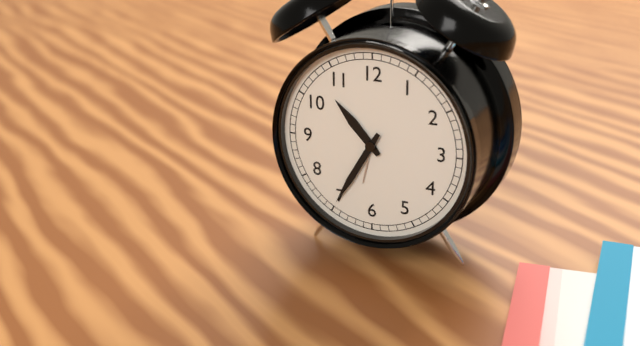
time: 10:35
